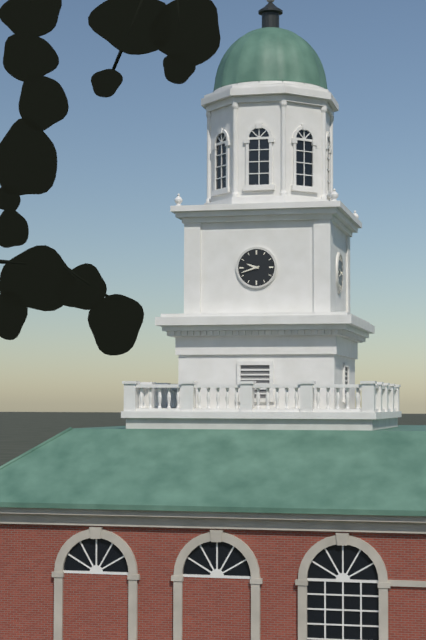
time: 9:42
